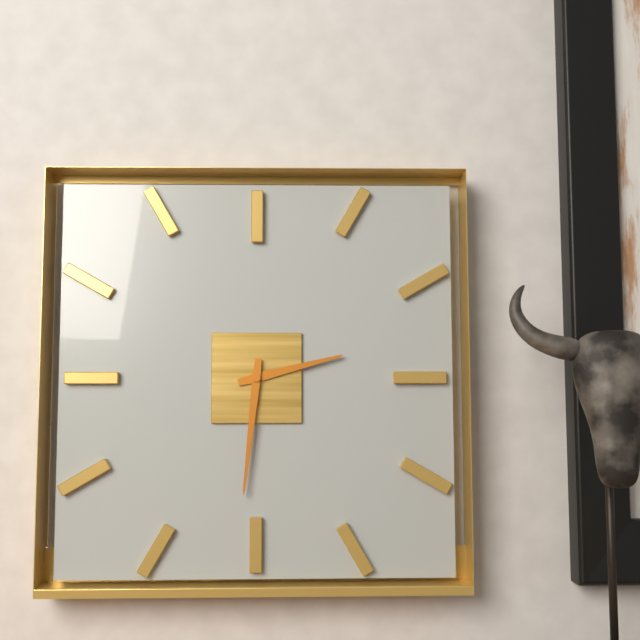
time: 2:31
